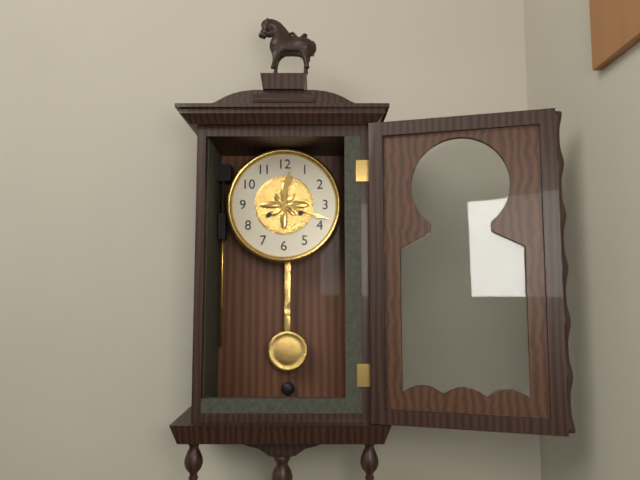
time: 12:18
